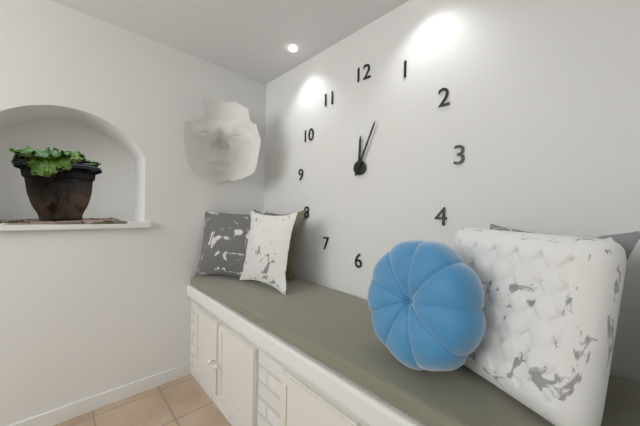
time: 12:04
